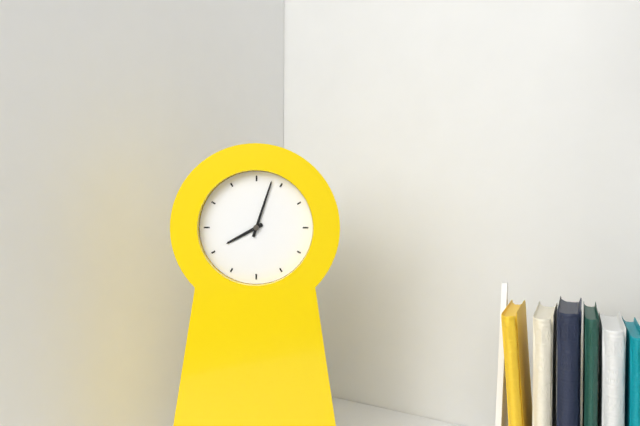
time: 8:03
